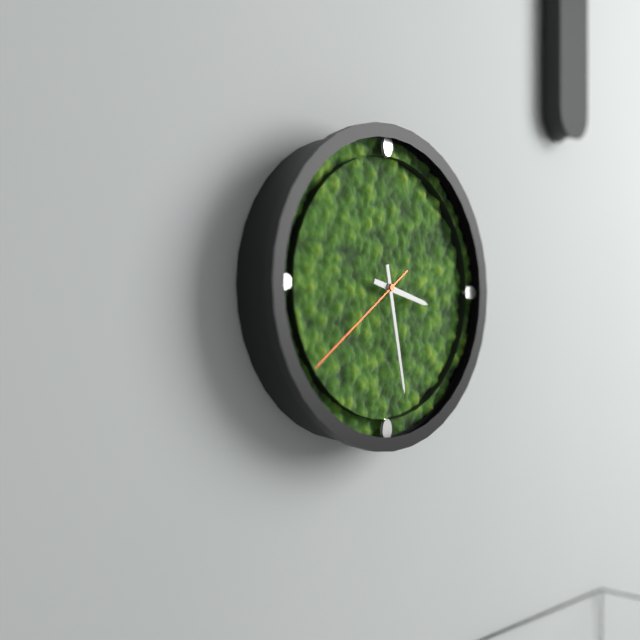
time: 3:28:39
